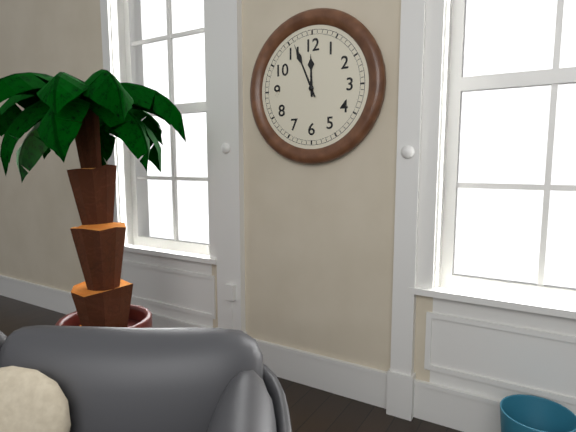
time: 11:56
